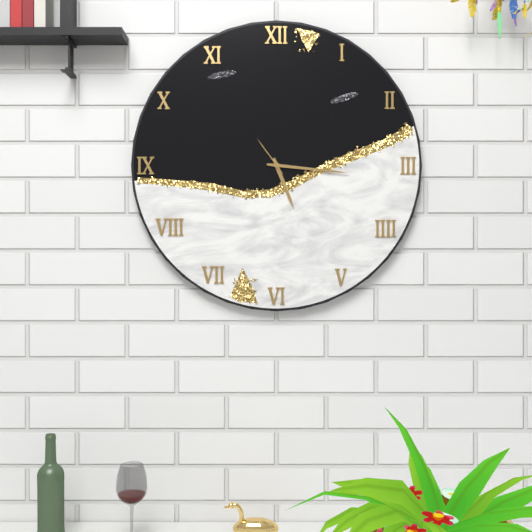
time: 5:16
